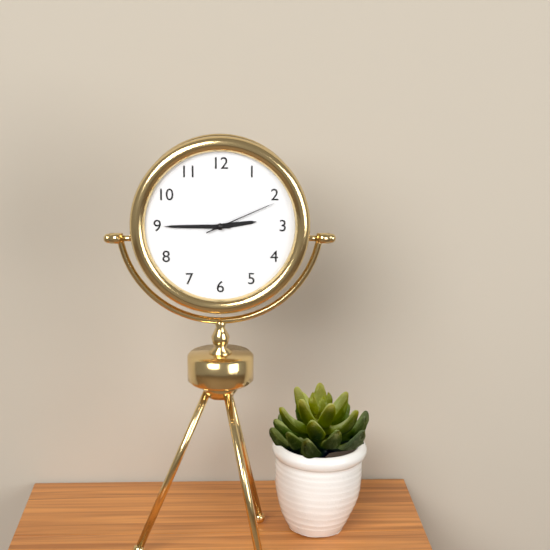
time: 2:45:11
